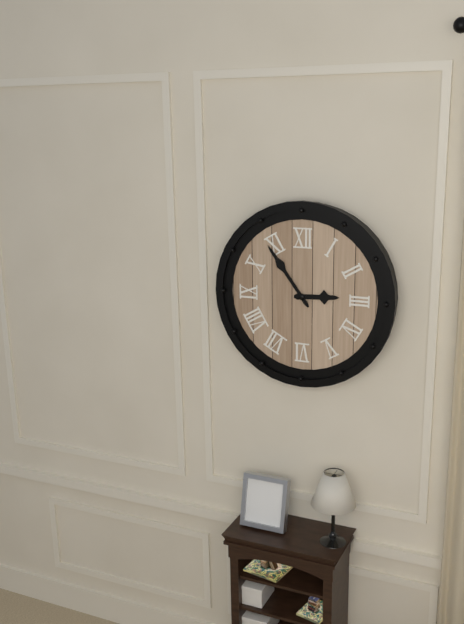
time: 2:54
